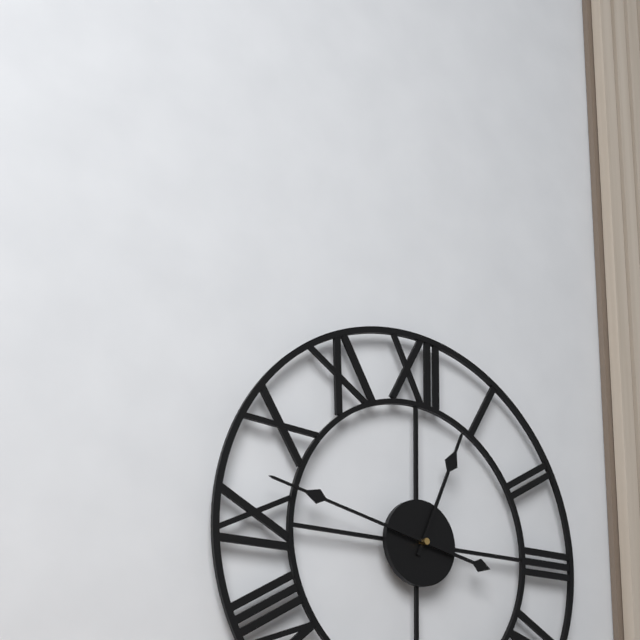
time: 12:47
